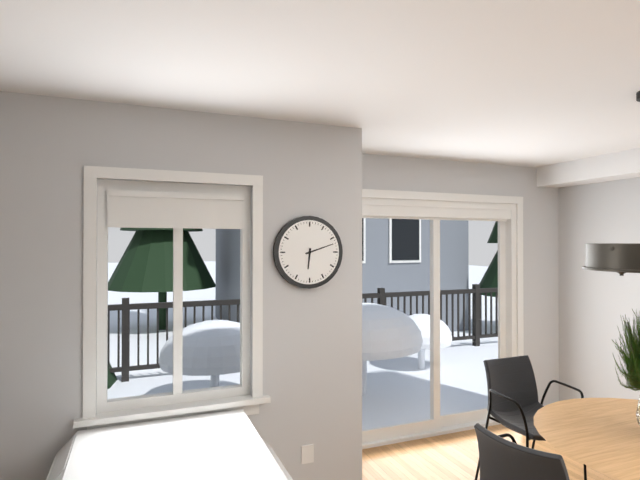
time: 6:12
